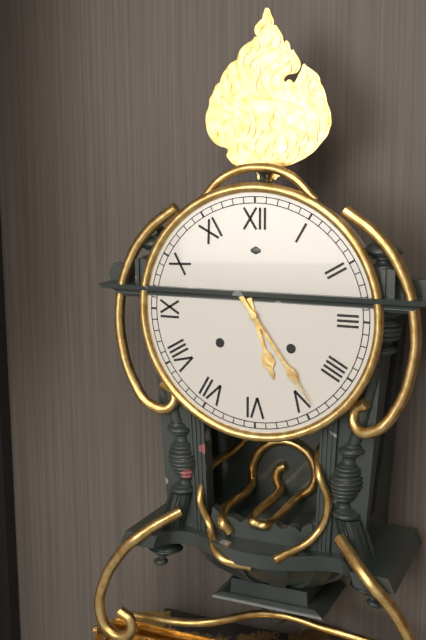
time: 5:24
